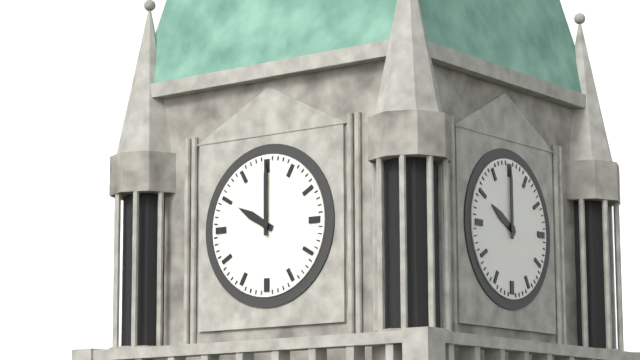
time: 10:00
